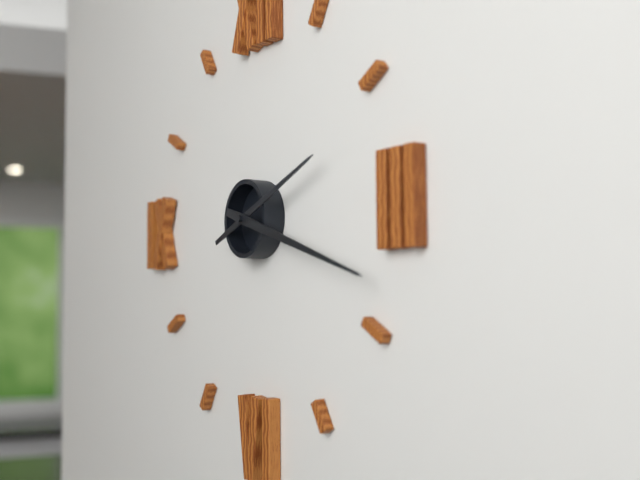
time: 2:18
